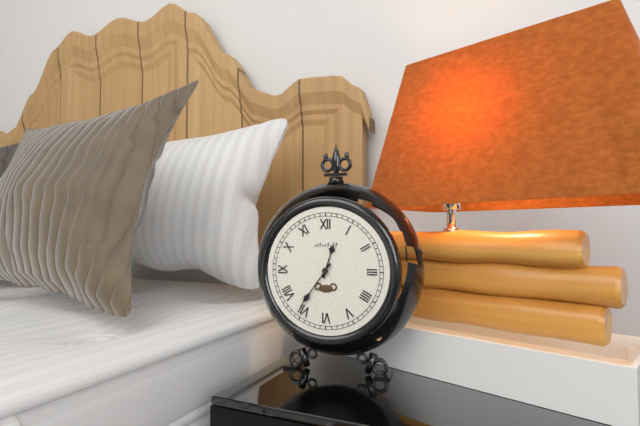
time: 12:36
